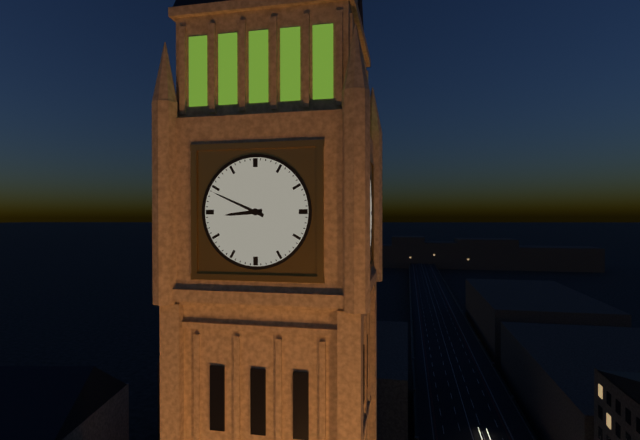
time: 8:49
